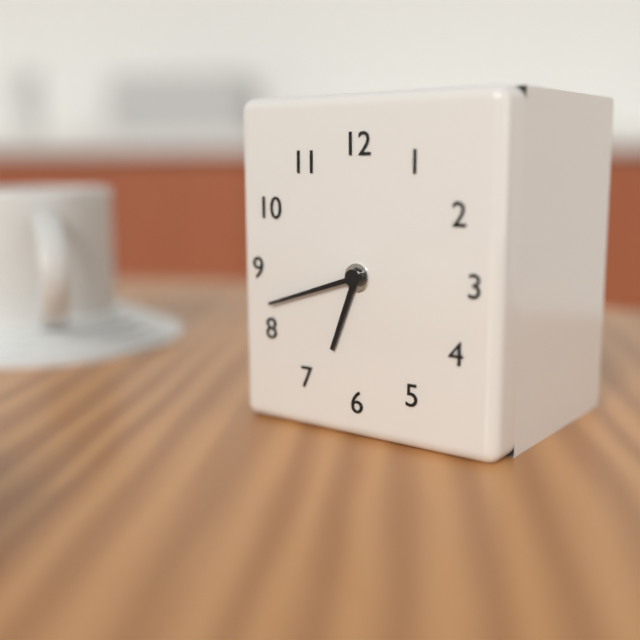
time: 6:42
